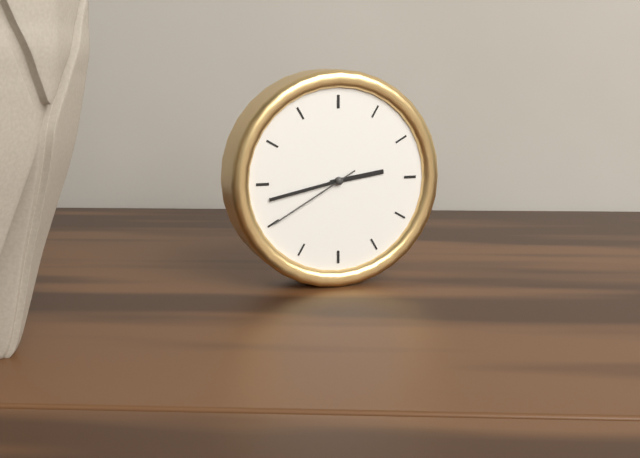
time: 2:43:40
